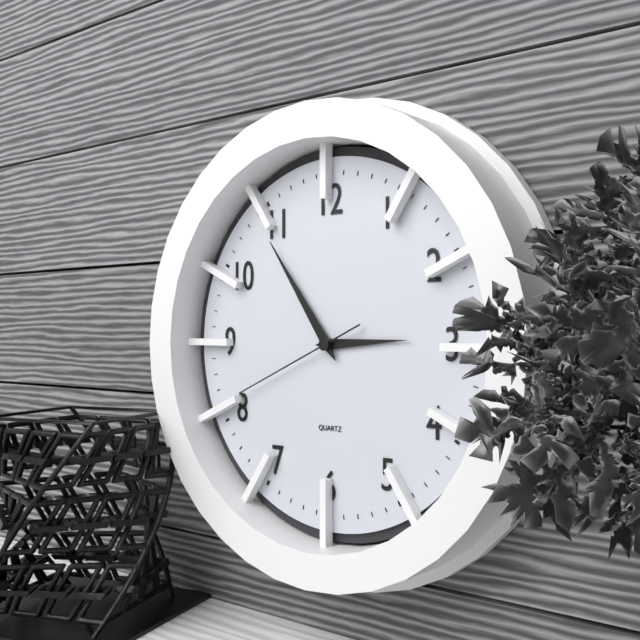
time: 2:54:41
